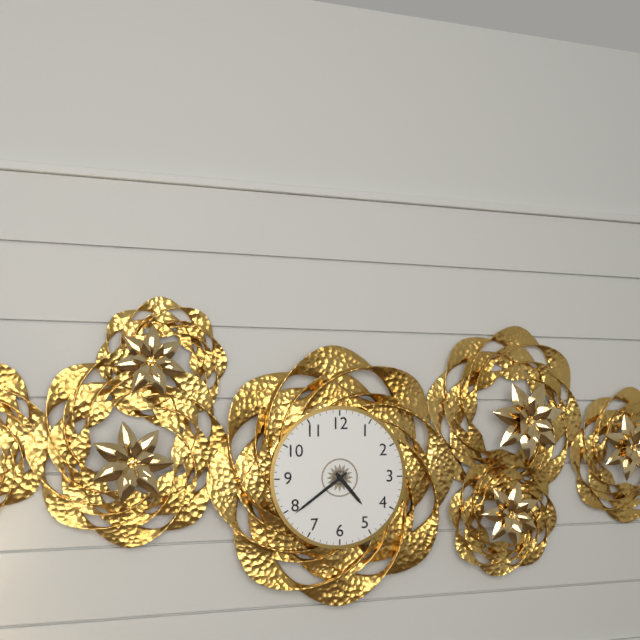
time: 4:39
